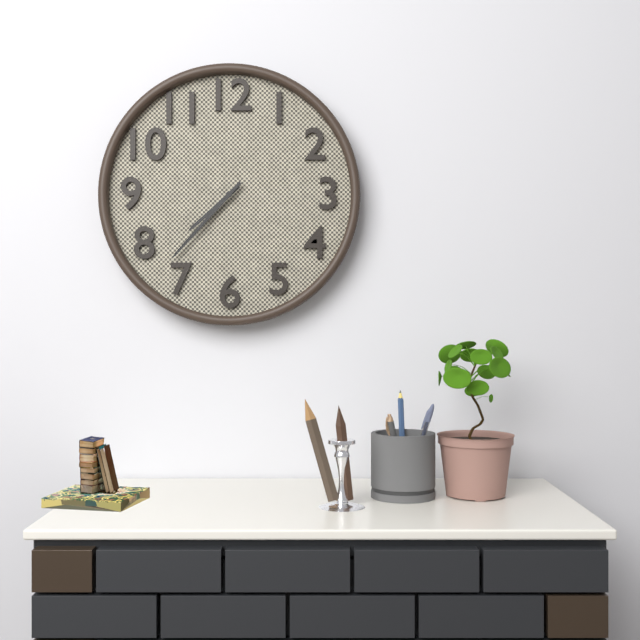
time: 7:37
